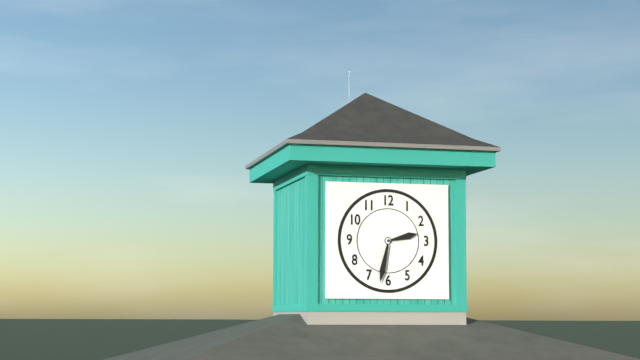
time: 2:32
